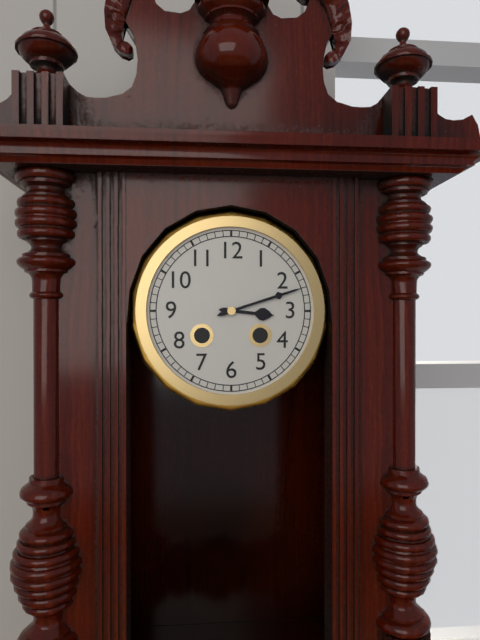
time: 3:12
